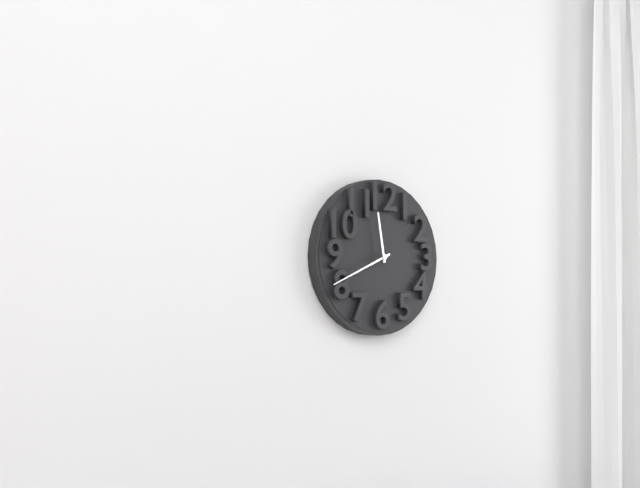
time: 11:41
